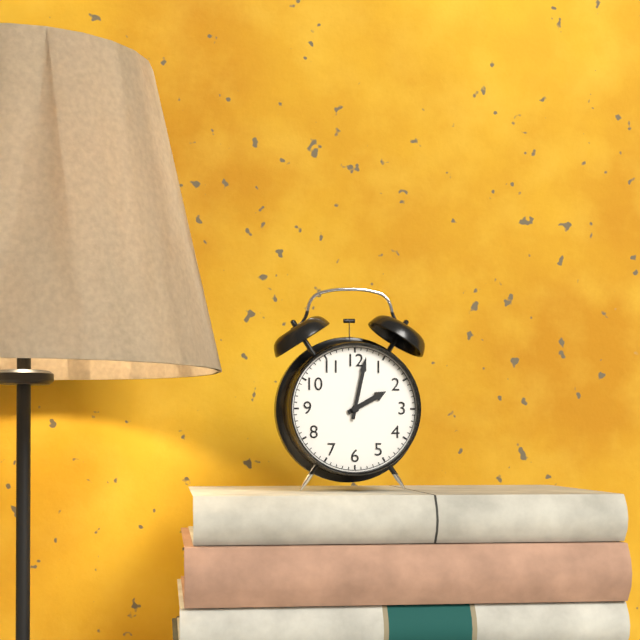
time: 2:02
